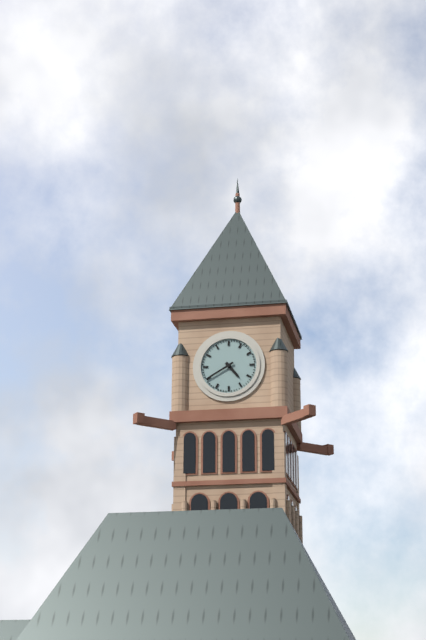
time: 4:40
